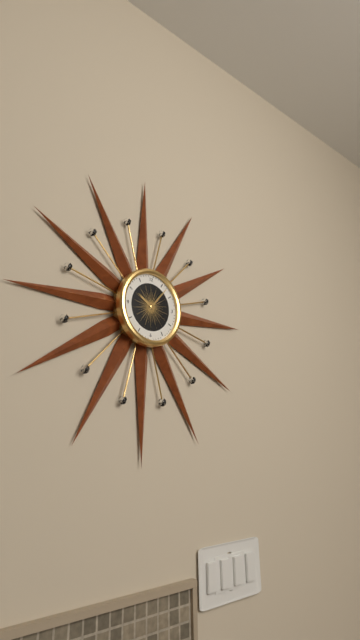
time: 10:07
